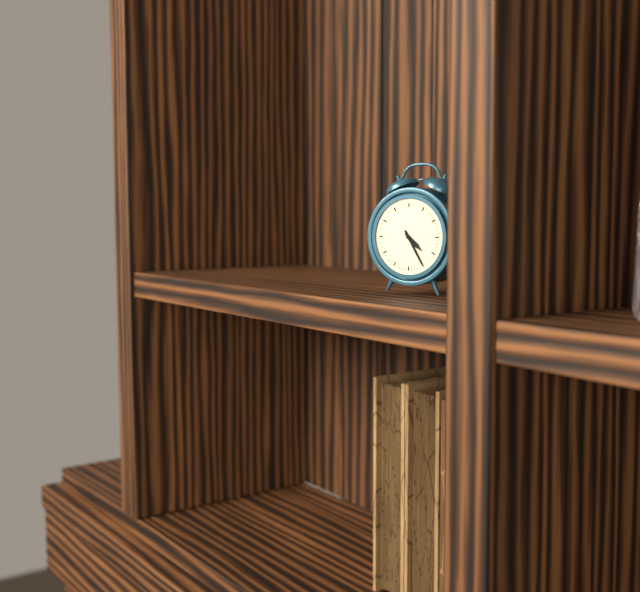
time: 4:25
